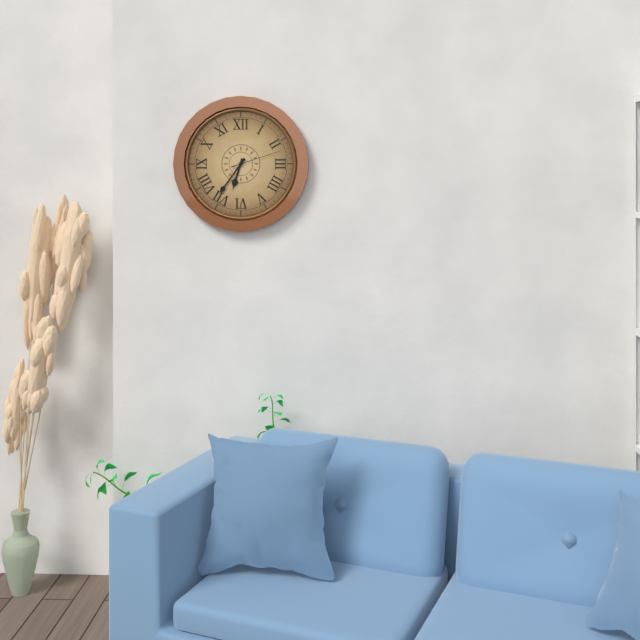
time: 6:36:12
